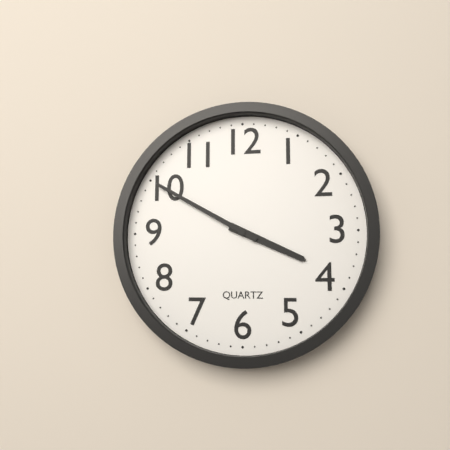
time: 3:50
